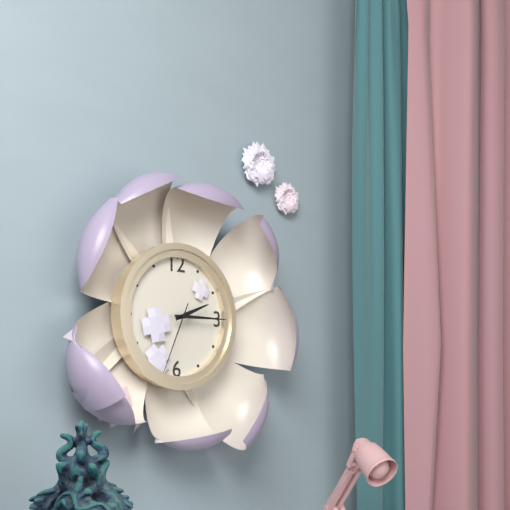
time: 2:15:34
